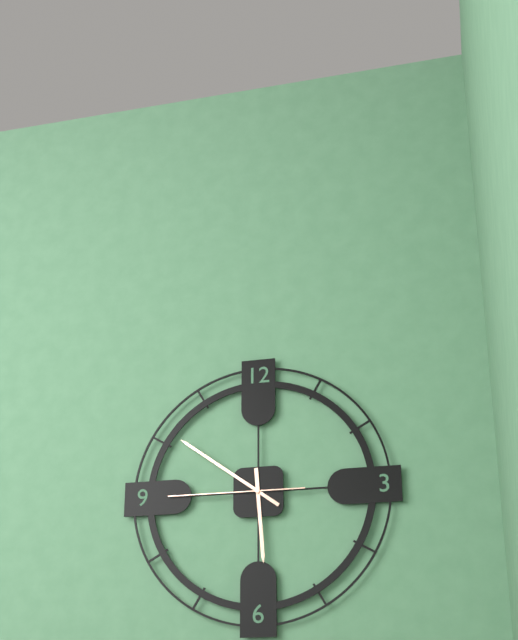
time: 5:51:45
